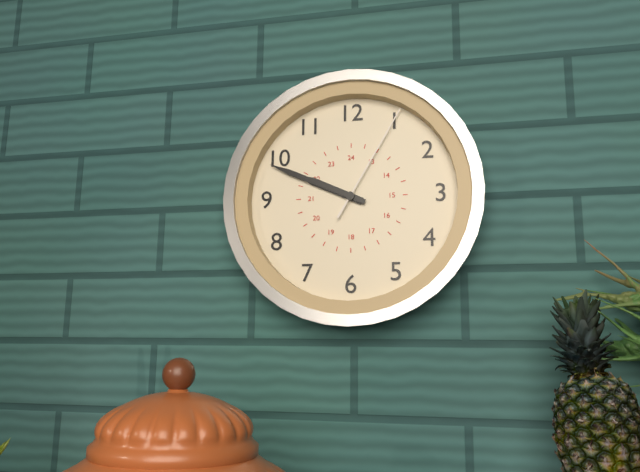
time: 9:49:05
